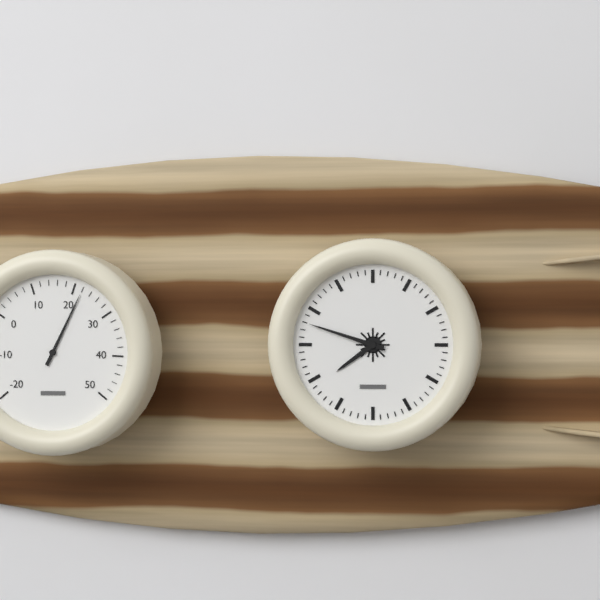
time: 7:48
